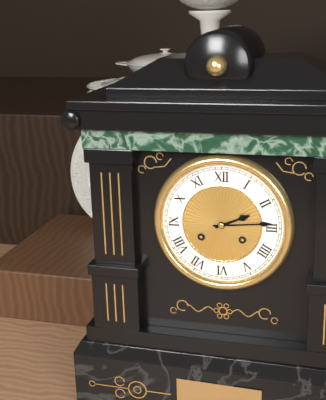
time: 2:14
